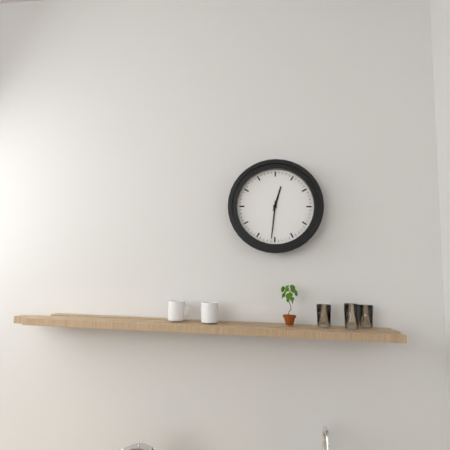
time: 12:31
